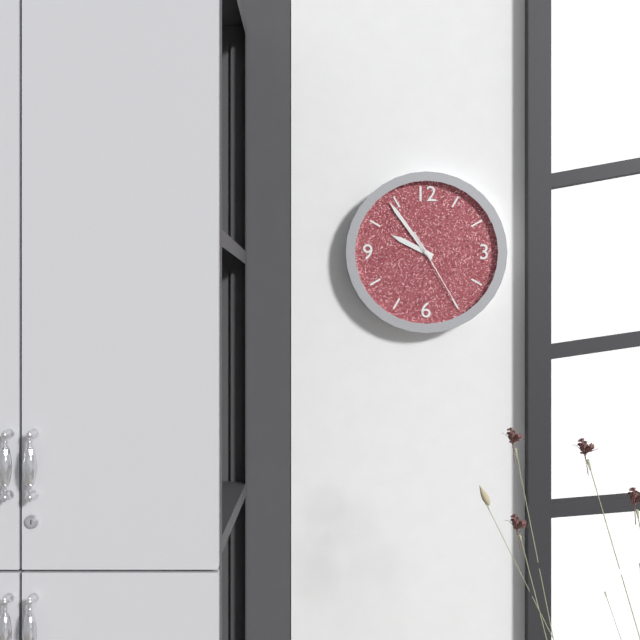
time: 9:54:25
